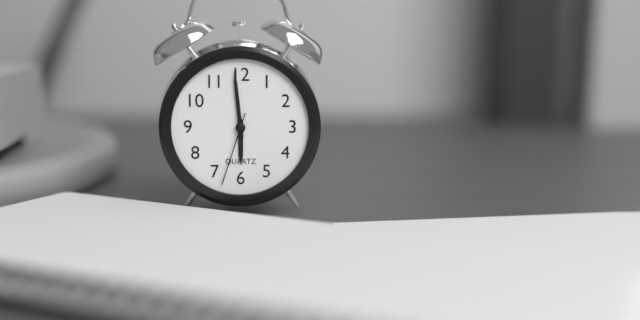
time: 5:59:33
